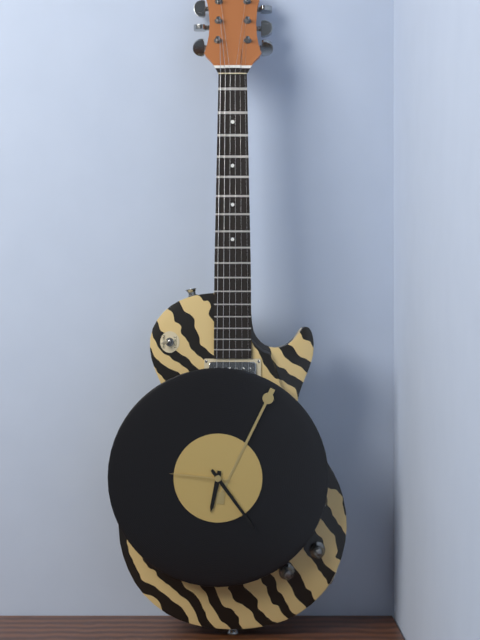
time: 6:24:46
